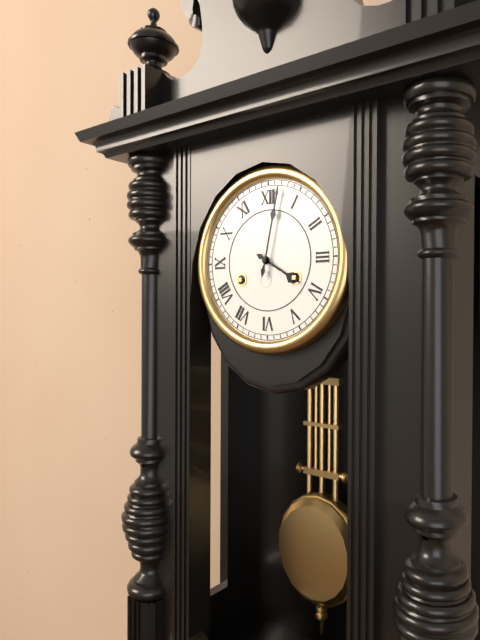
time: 4:02
